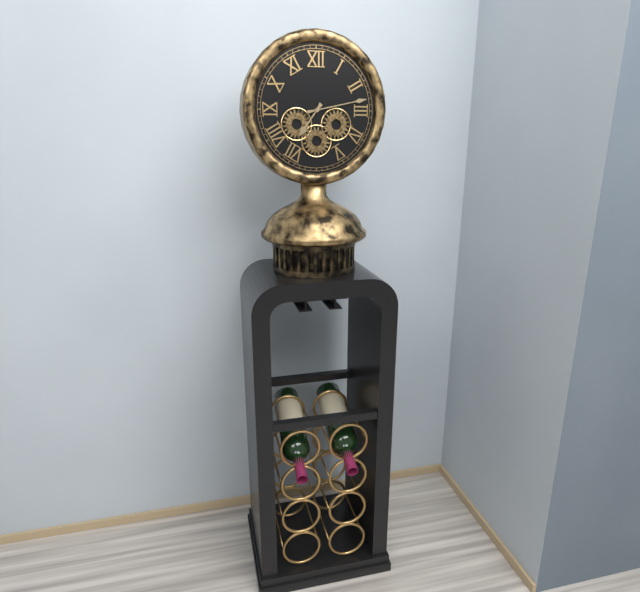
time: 7:13
